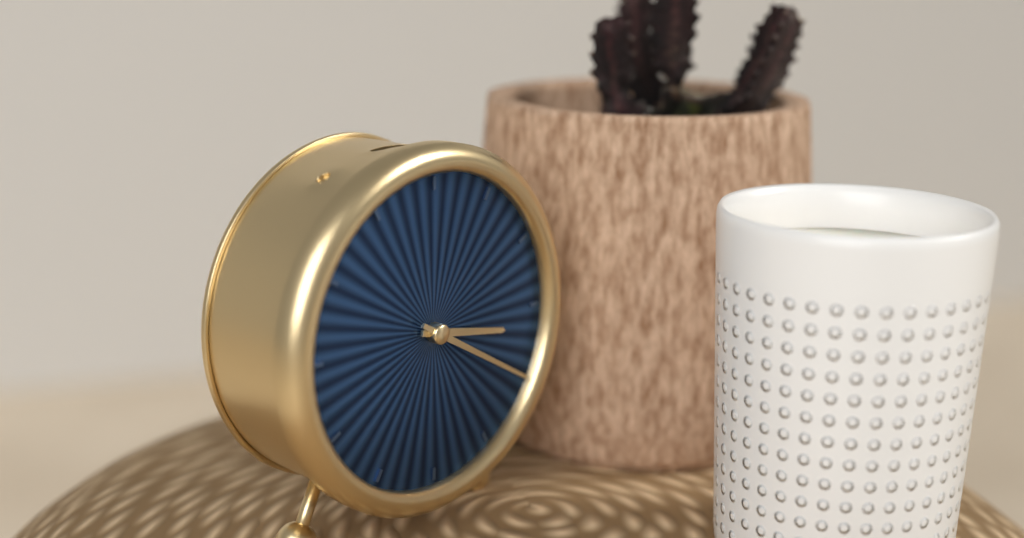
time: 3:20
